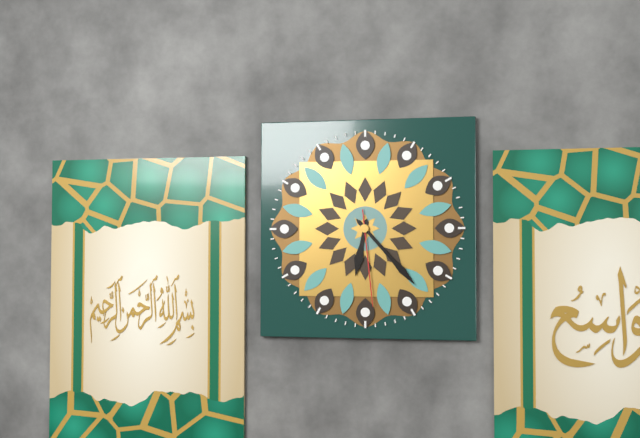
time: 6:23:29
